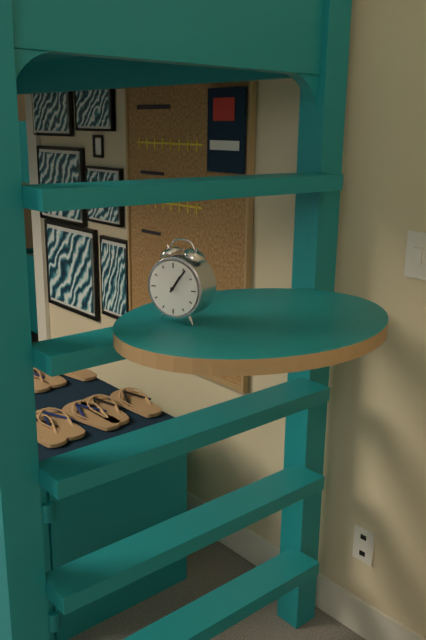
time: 1:06
